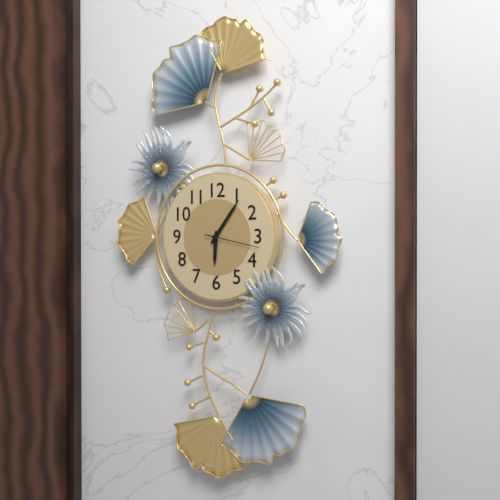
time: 6:06:17
